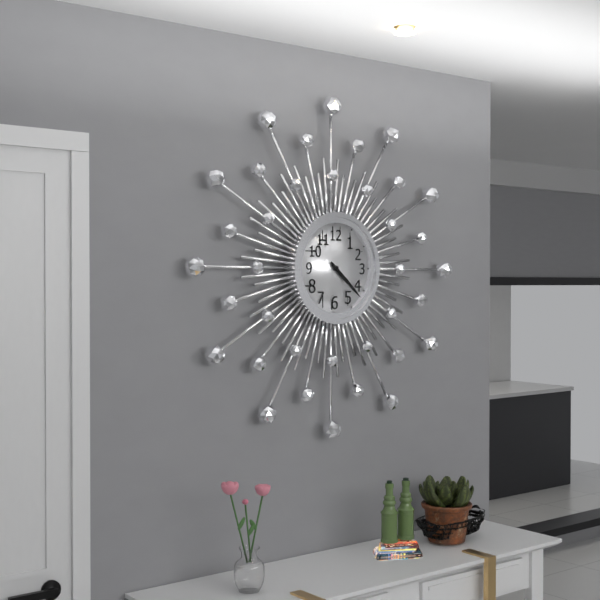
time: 4:22
